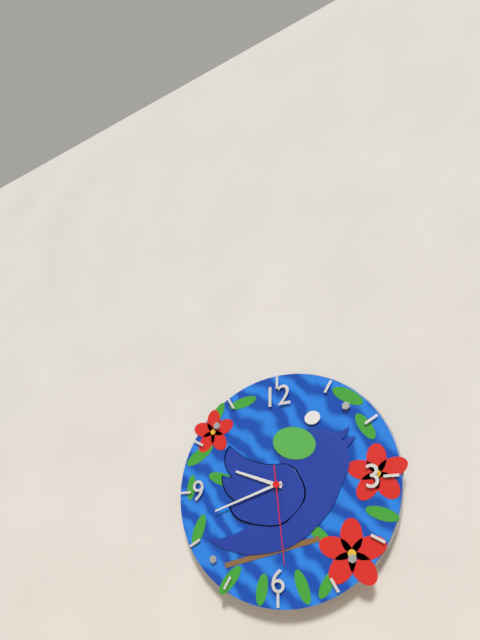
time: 9:42:29
